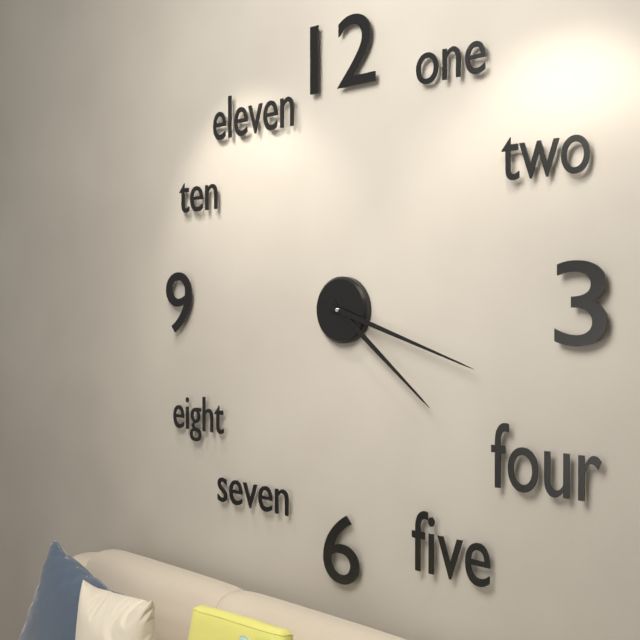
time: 4:18
